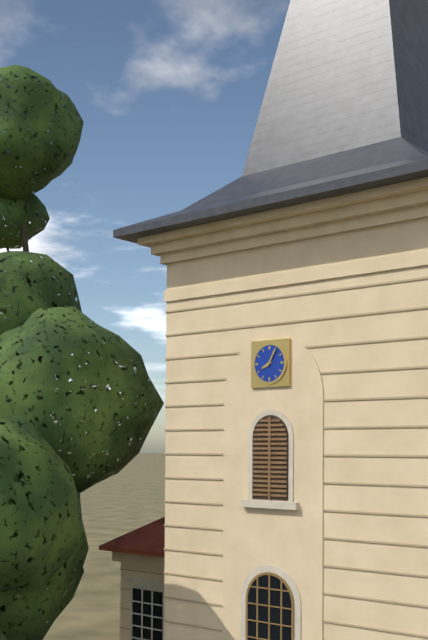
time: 8:05
